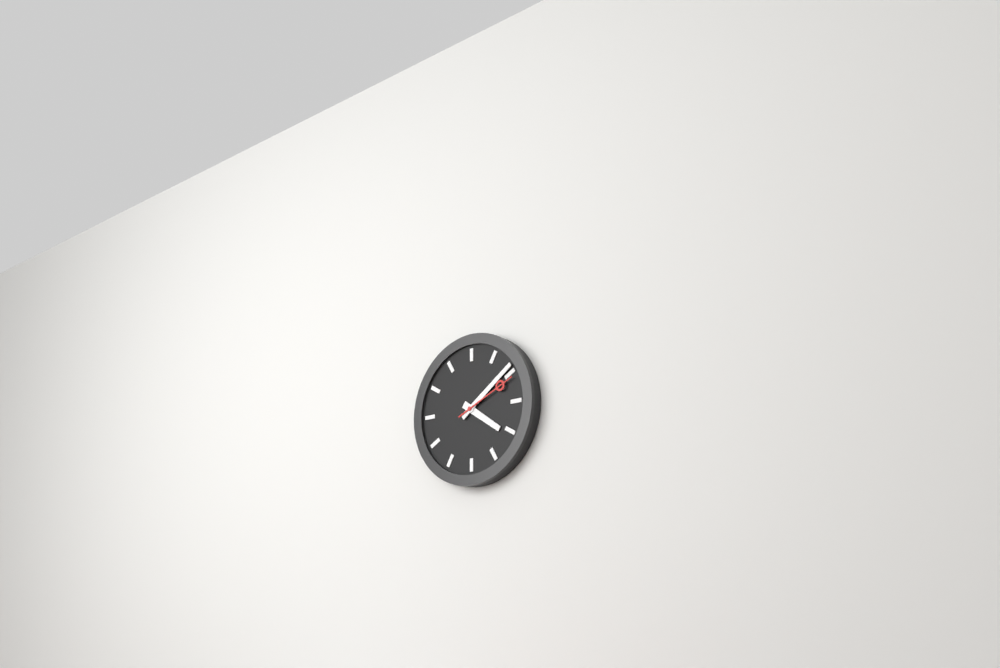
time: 4:09:11
